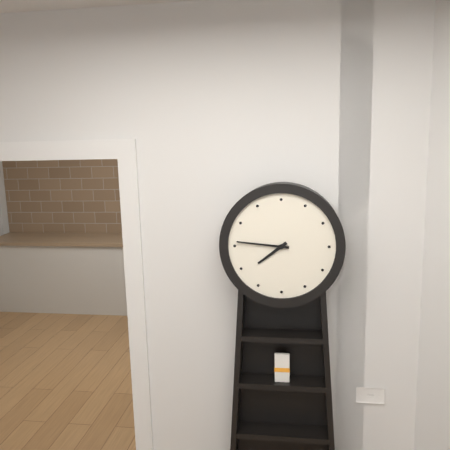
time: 7:46
